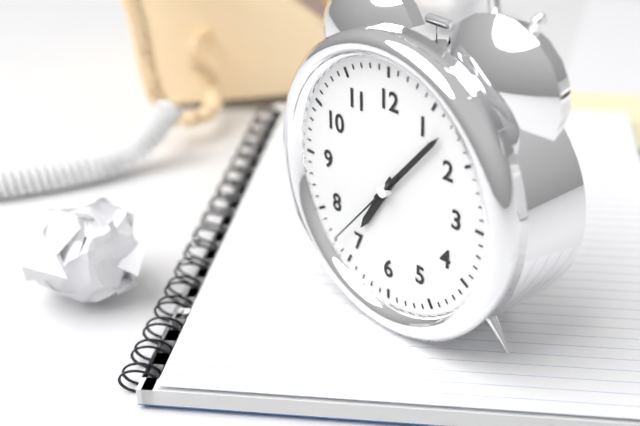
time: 7:07:37
